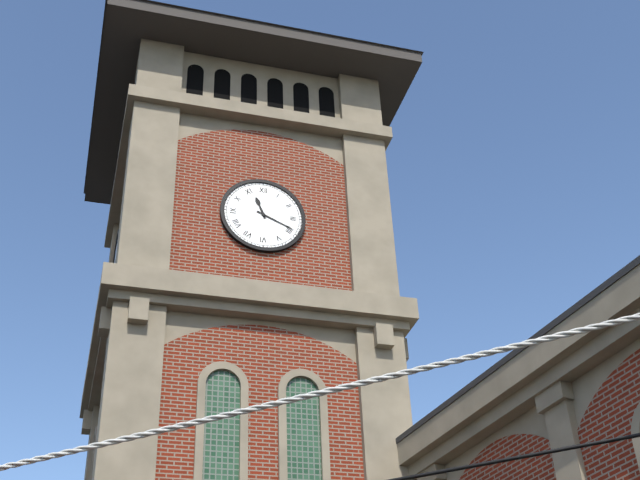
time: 11:19
